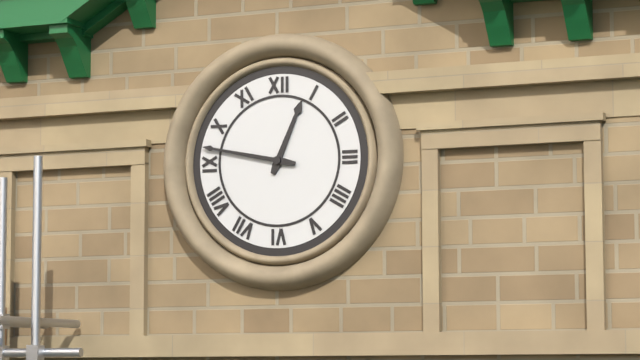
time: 12:47
